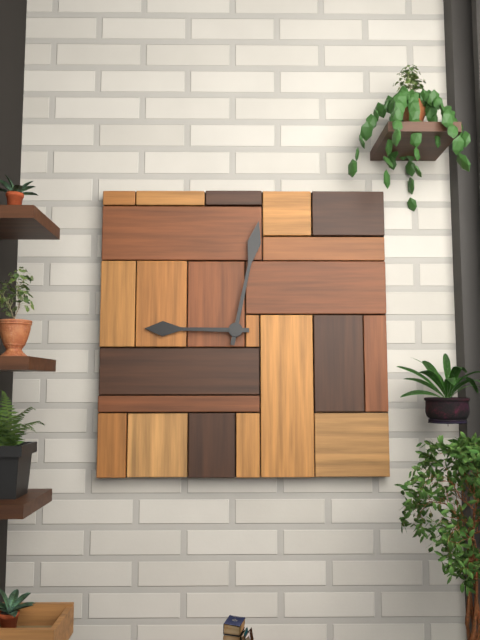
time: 9:02
